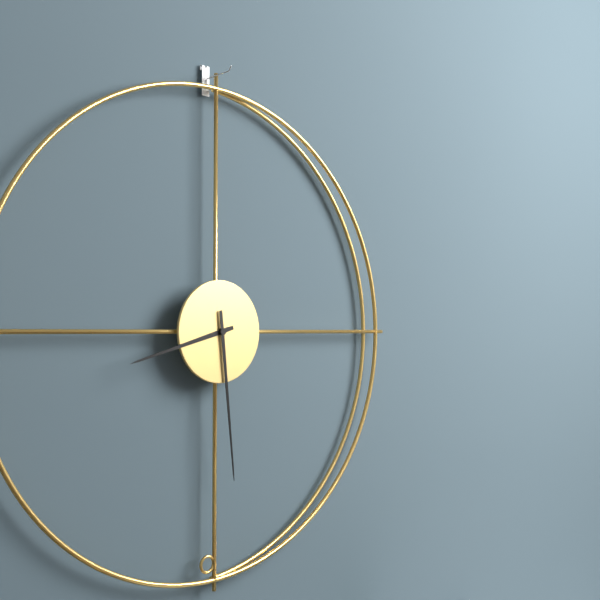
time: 8:29
